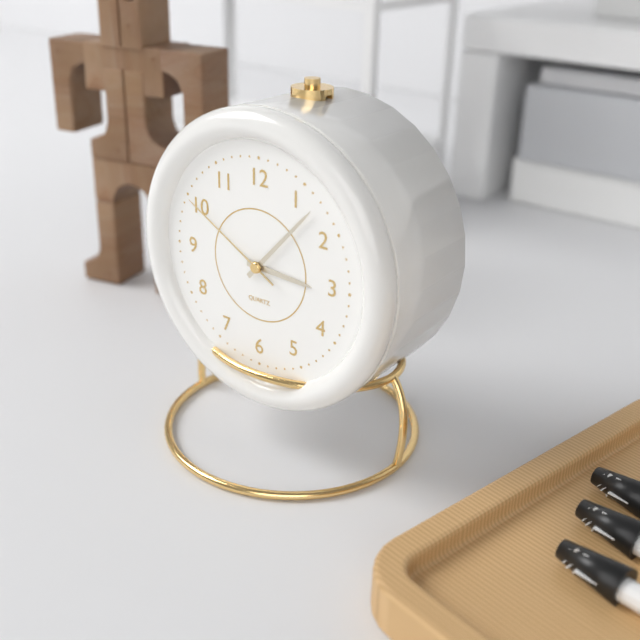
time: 3:07:50
